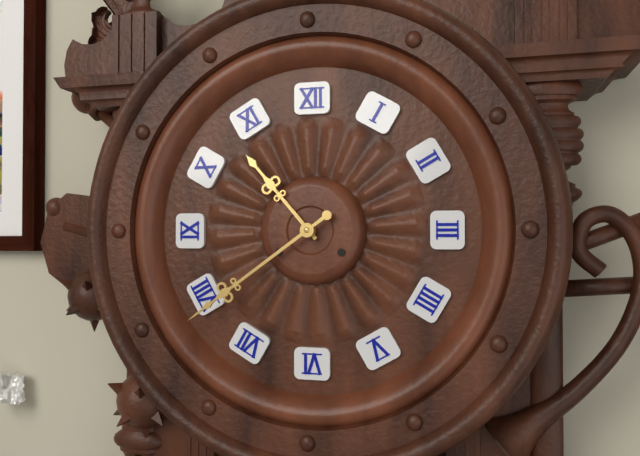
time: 10:39
